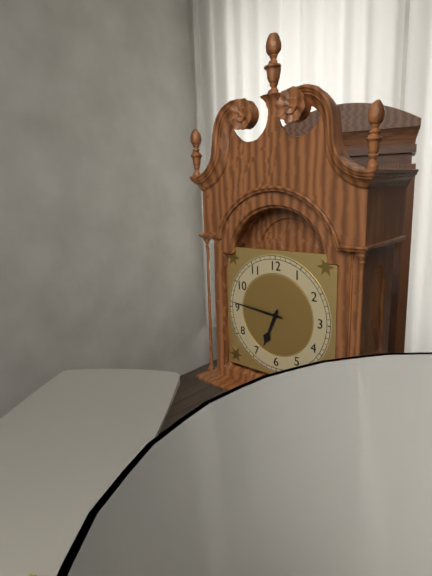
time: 6:46
